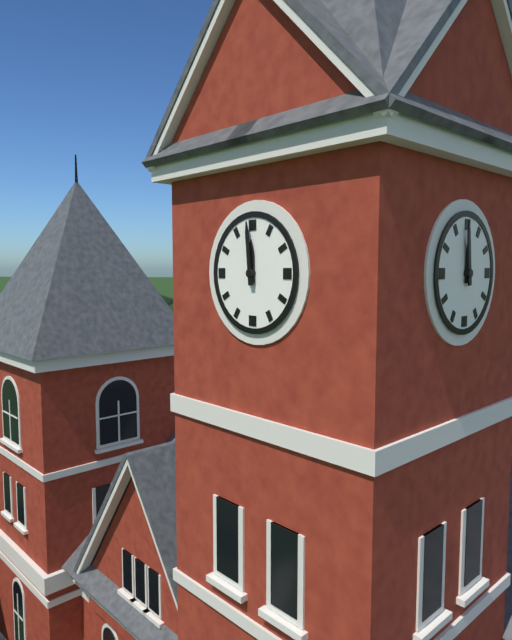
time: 11:59
